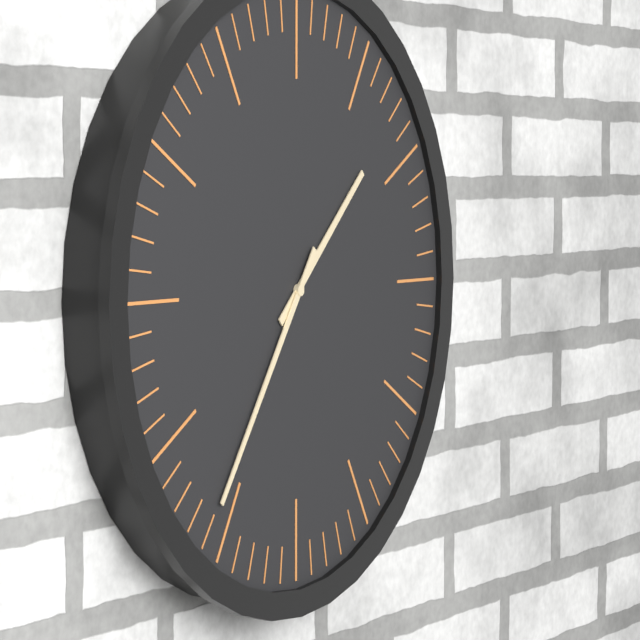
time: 1:36
